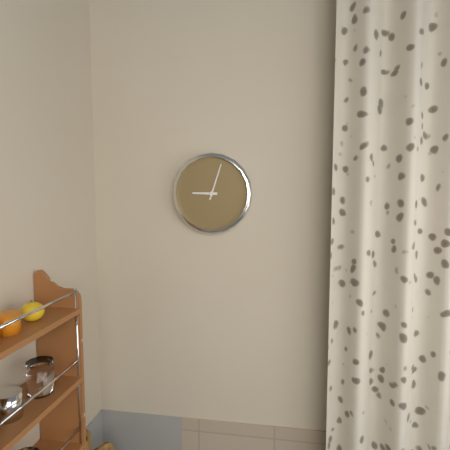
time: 9:03
